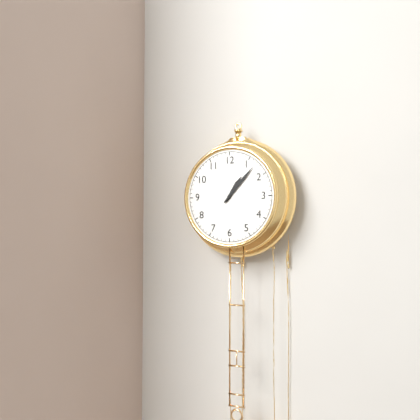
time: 1:07
